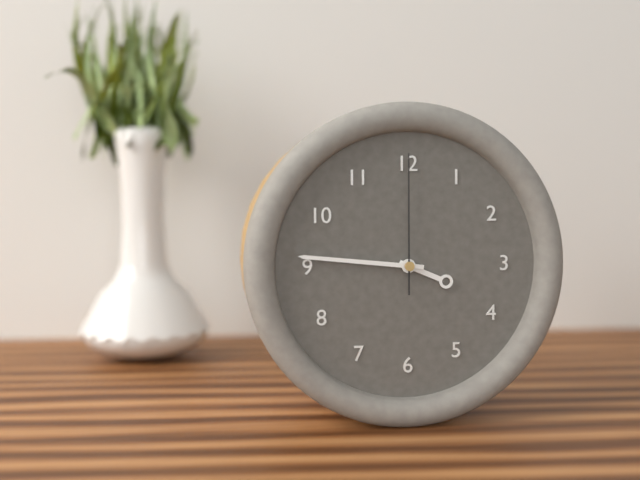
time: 3:46:00
